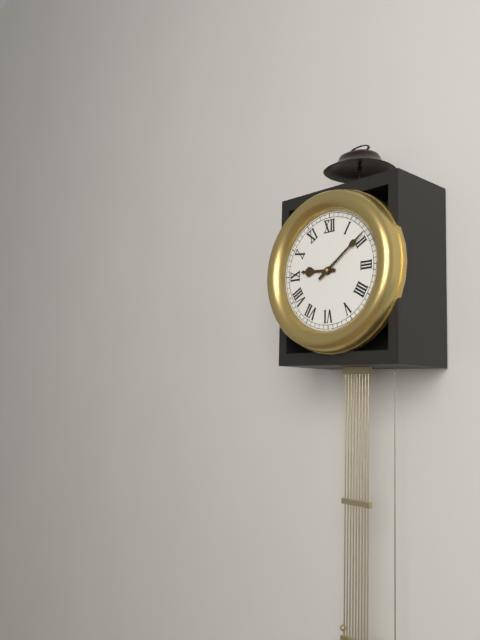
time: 9:09
